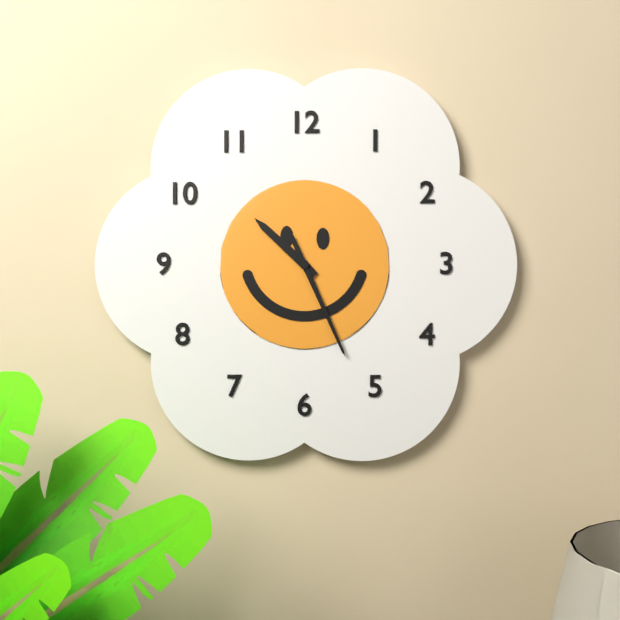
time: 10:26
